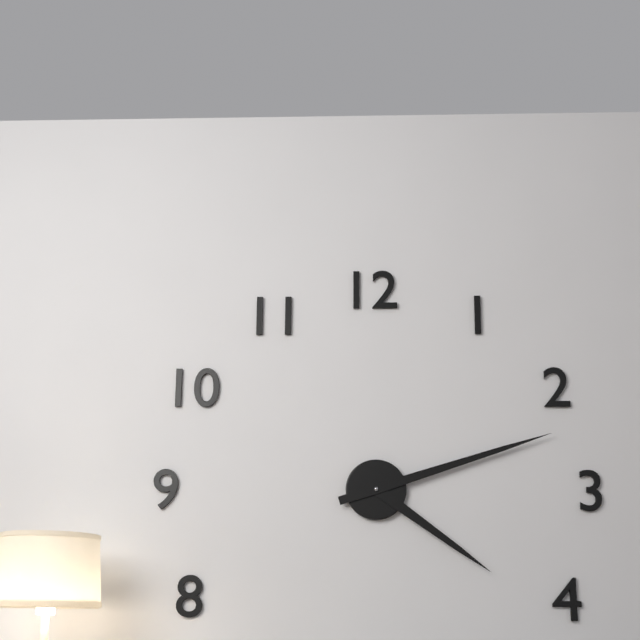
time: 4:12
